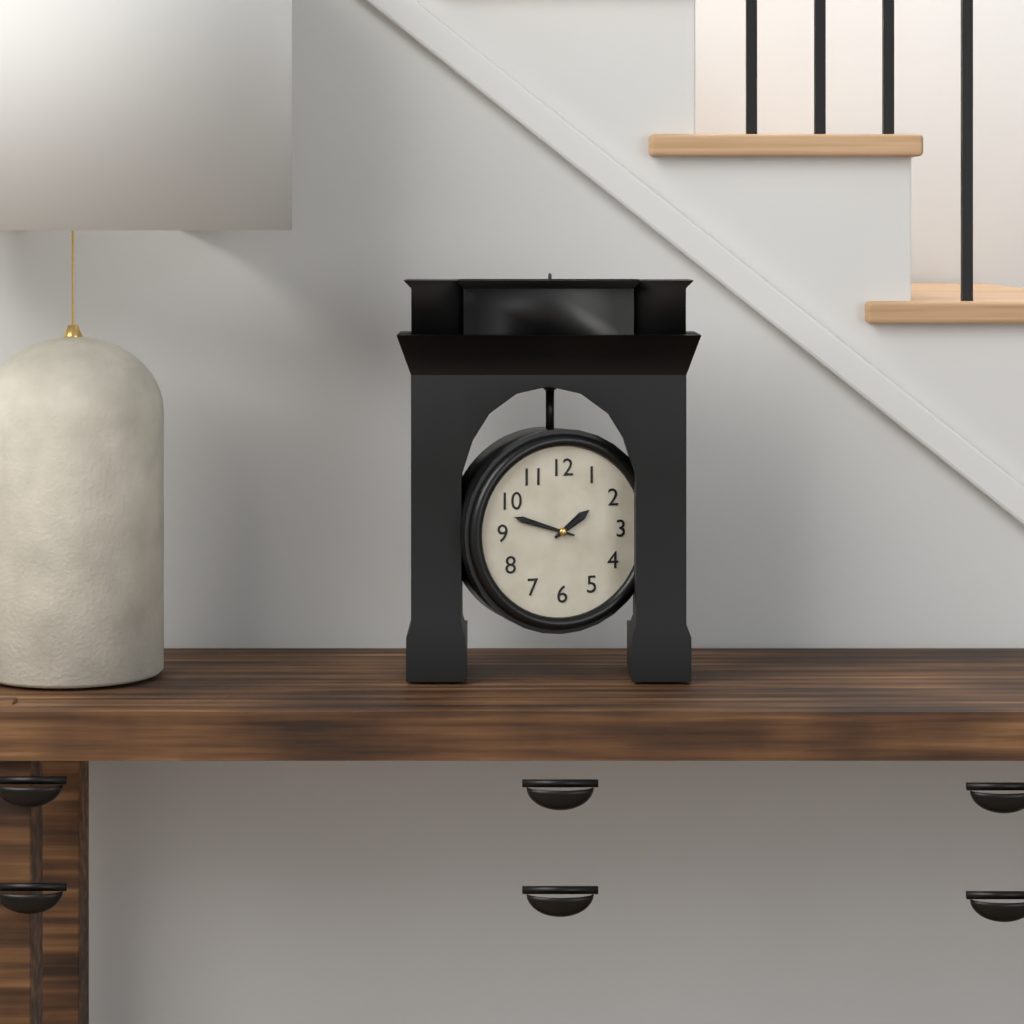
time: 1:48
